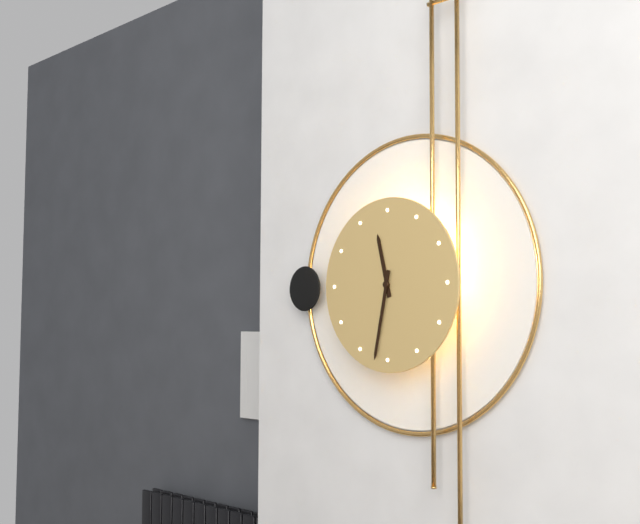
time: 11:32
